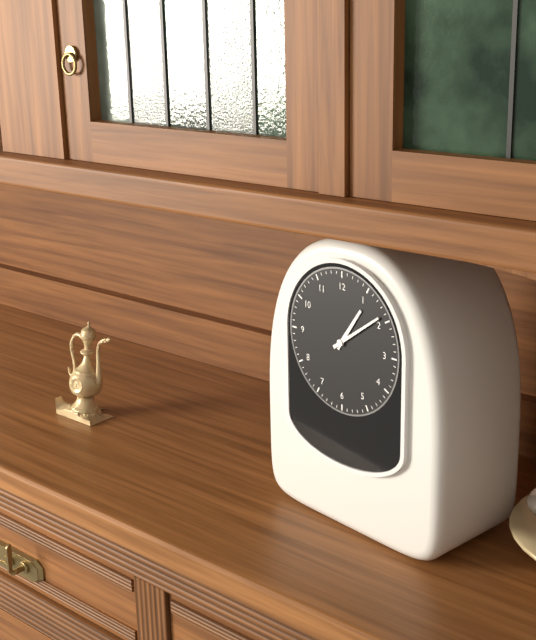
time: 1:09
